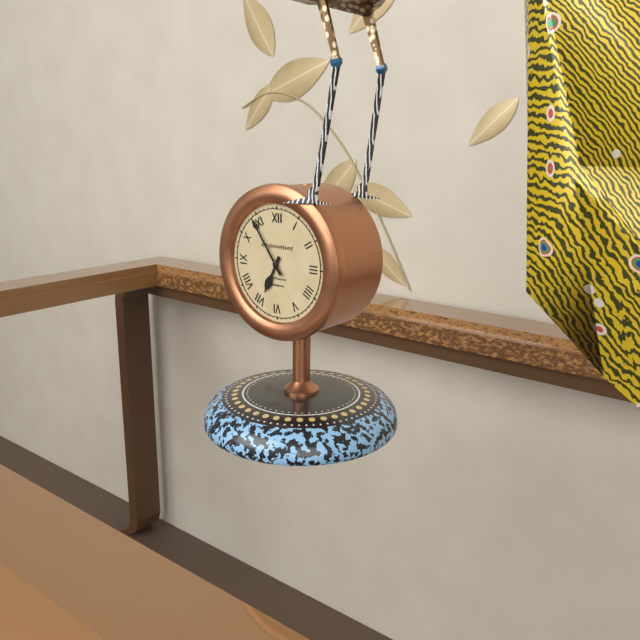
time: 6:54
